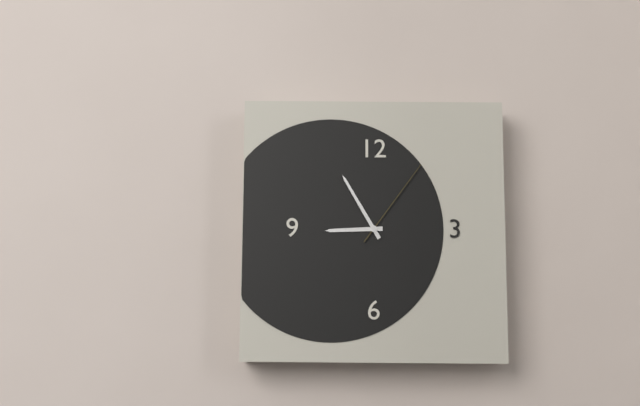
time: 8:55:06
